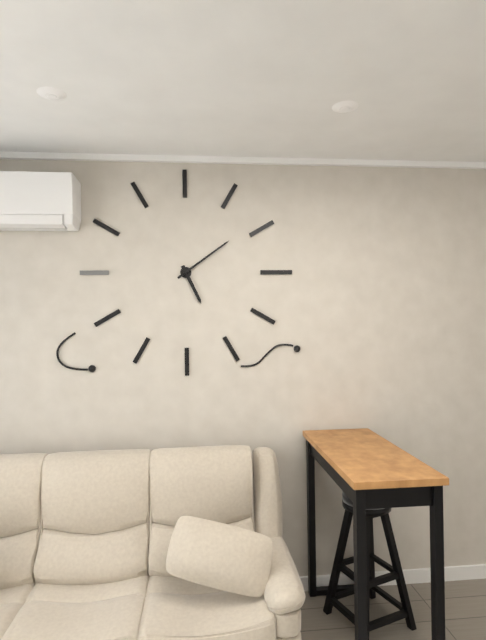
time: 5:09
